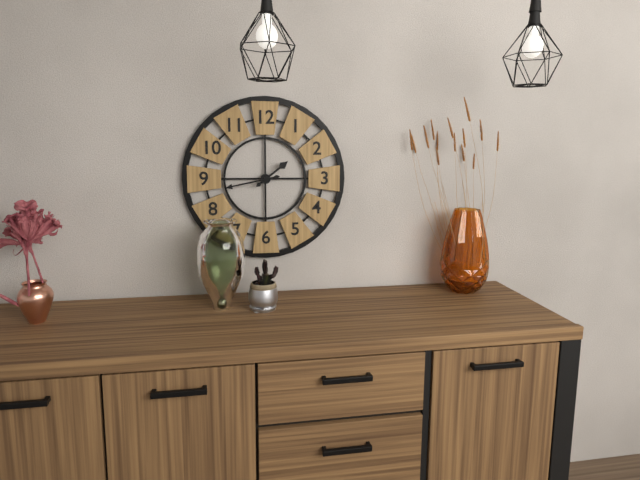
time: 1:43
